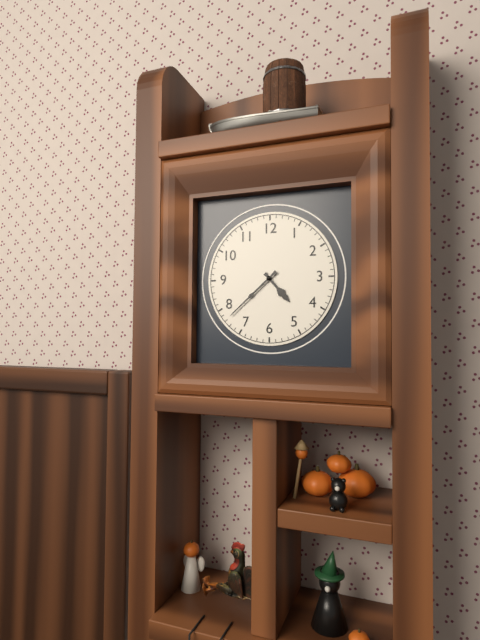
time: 4:38
